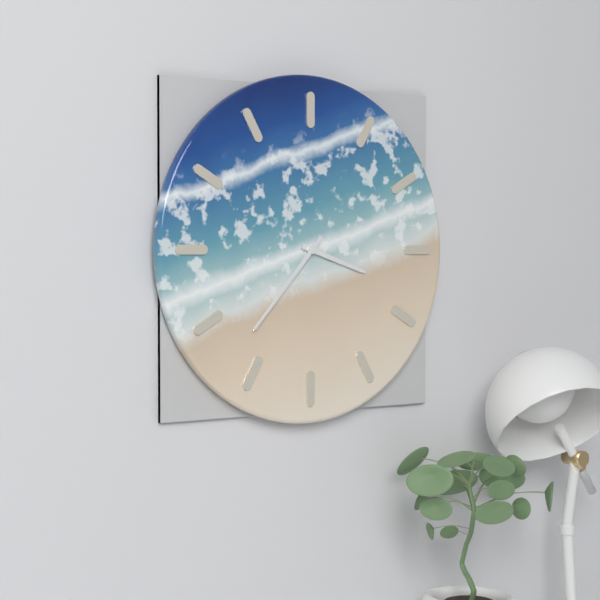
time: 3:37
